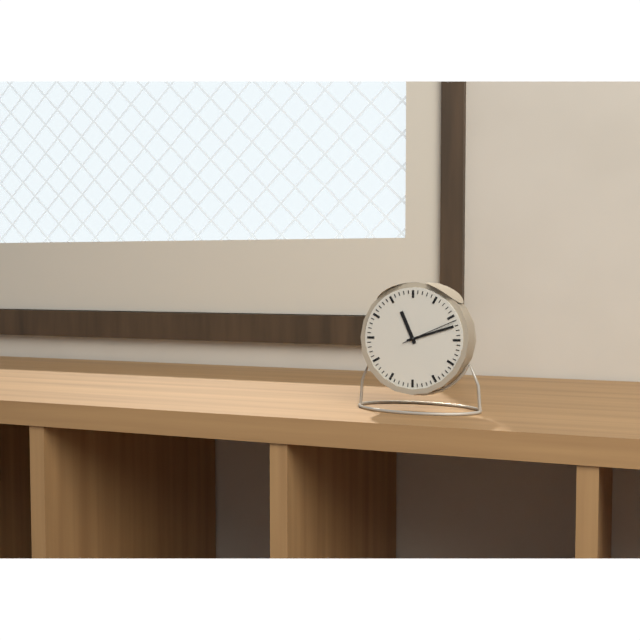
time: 11:12:11
